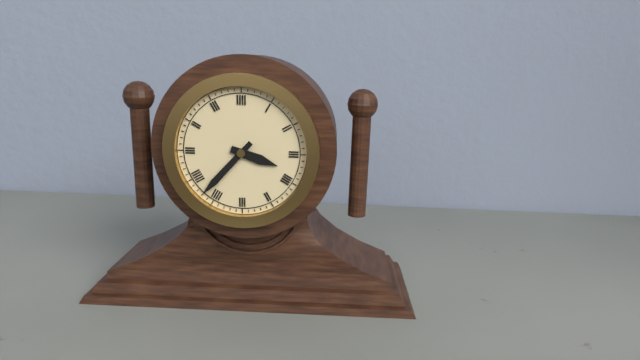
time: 3:37
